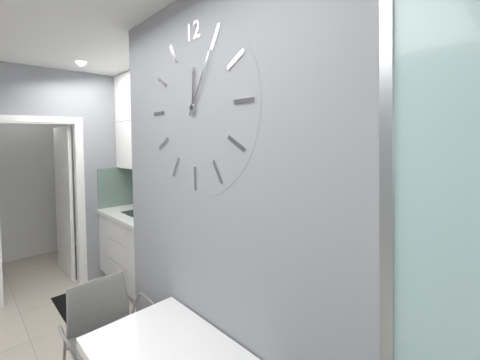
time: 12:05
